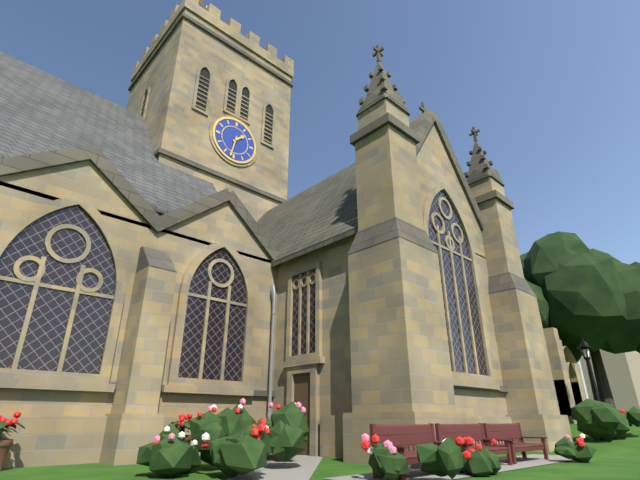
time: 1:32
